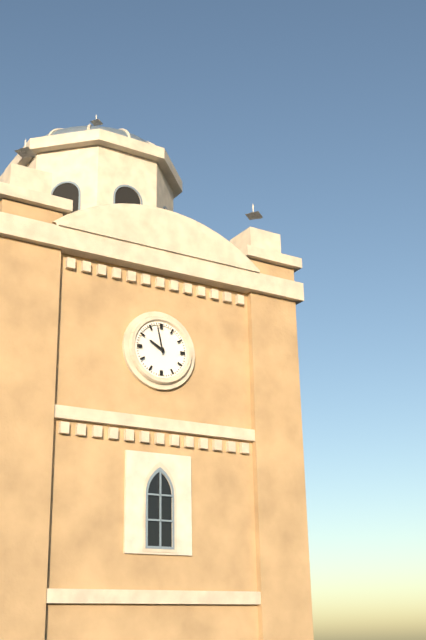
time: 9:58
